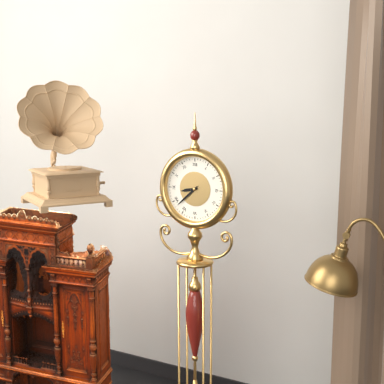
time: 8:38
